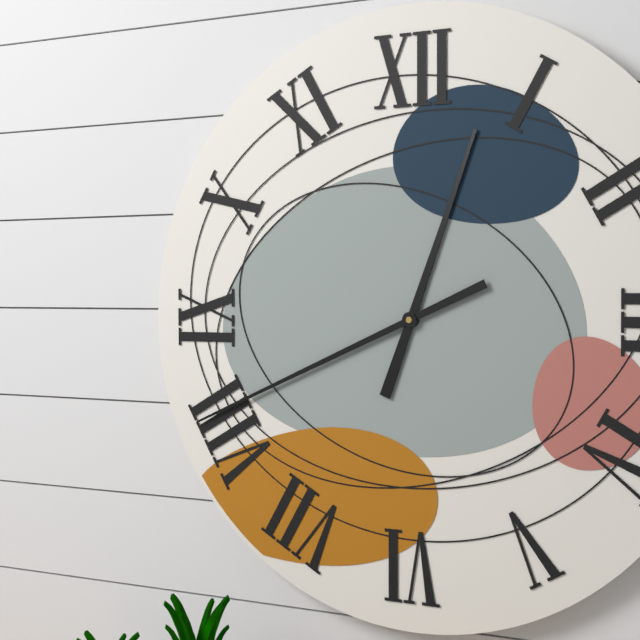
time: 12:41
